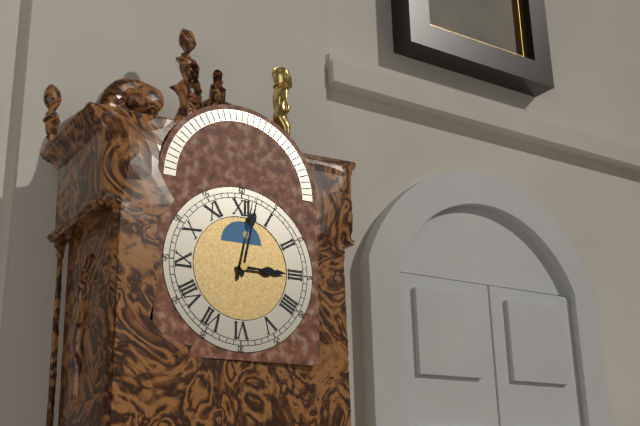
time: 3:02
